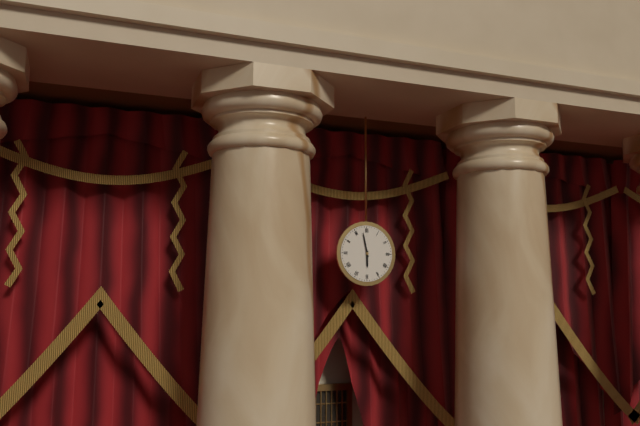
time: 5:58
